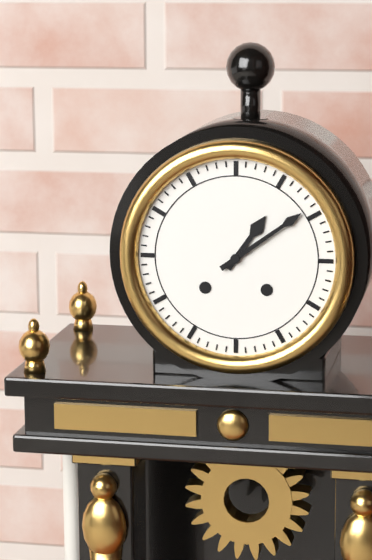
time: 1:09
